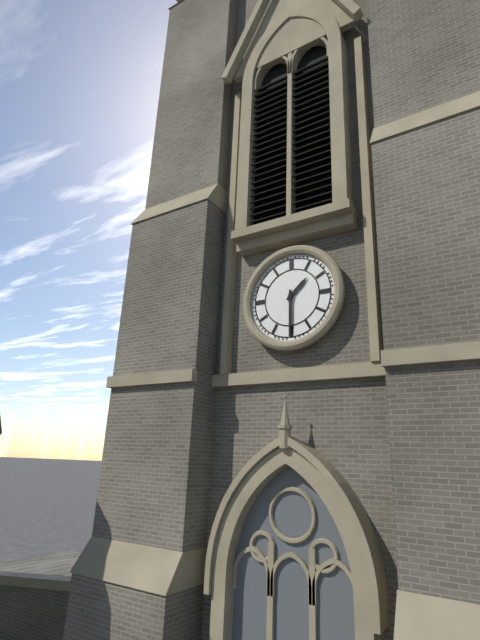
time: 1:30
